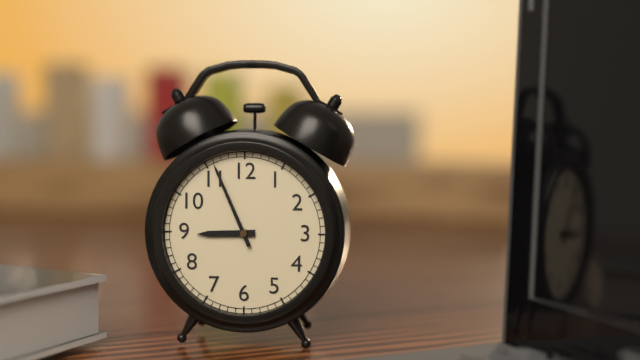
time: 8:56
